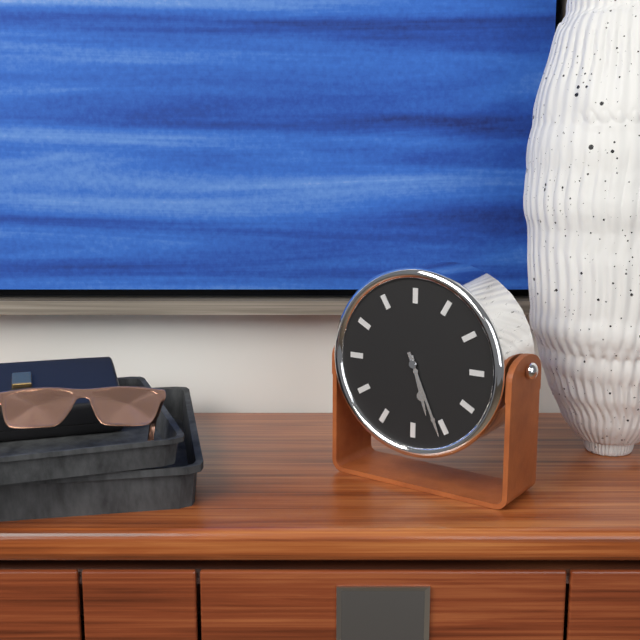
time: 5:26
